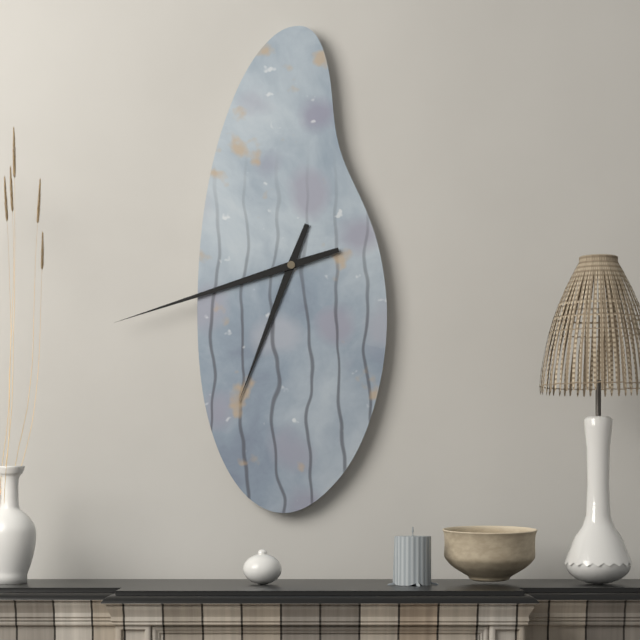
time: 6:42
